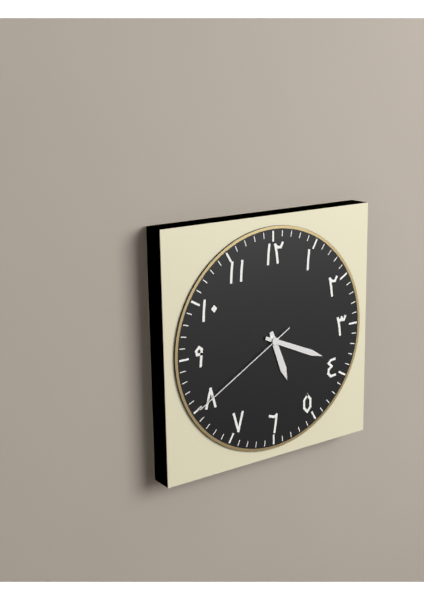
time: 5:19:40
